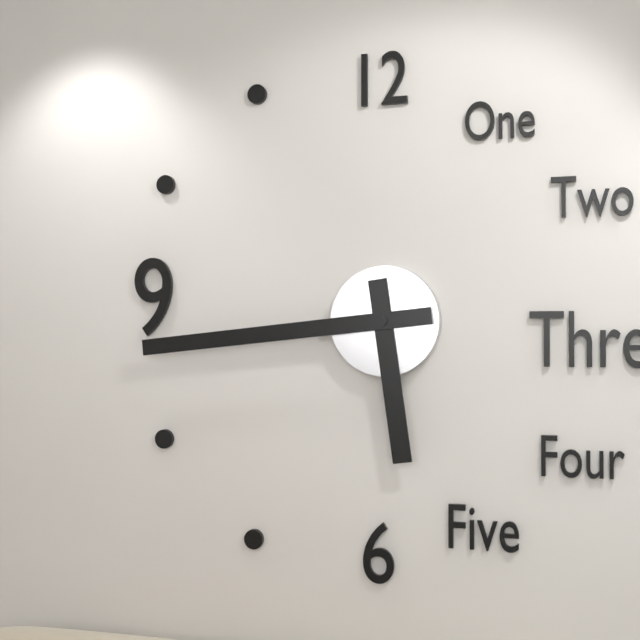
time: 5:44
